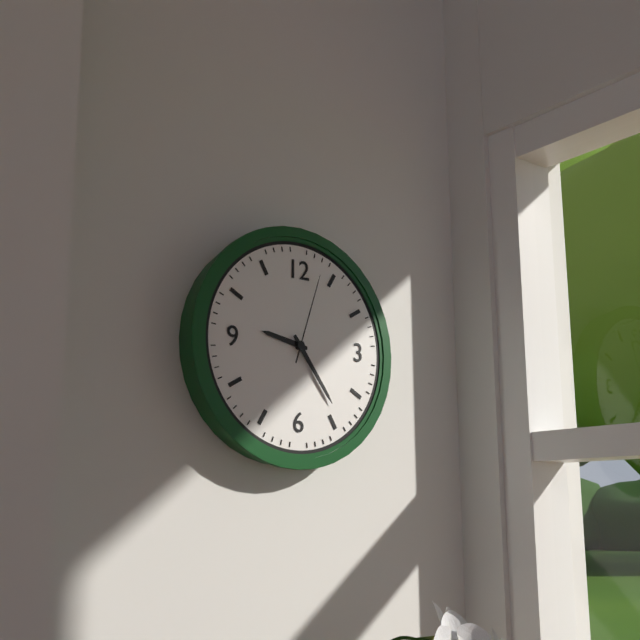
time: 9:24:03
